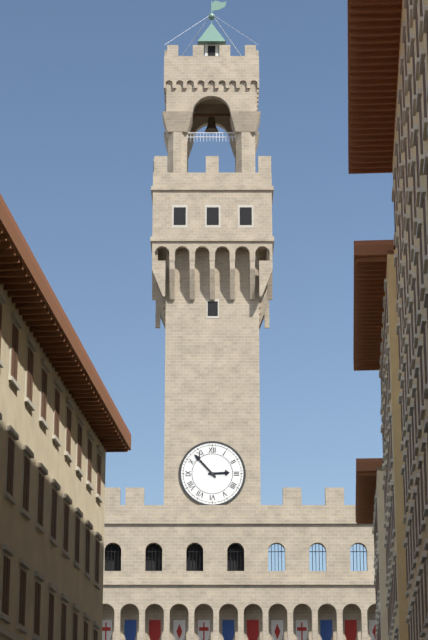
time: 2:53
